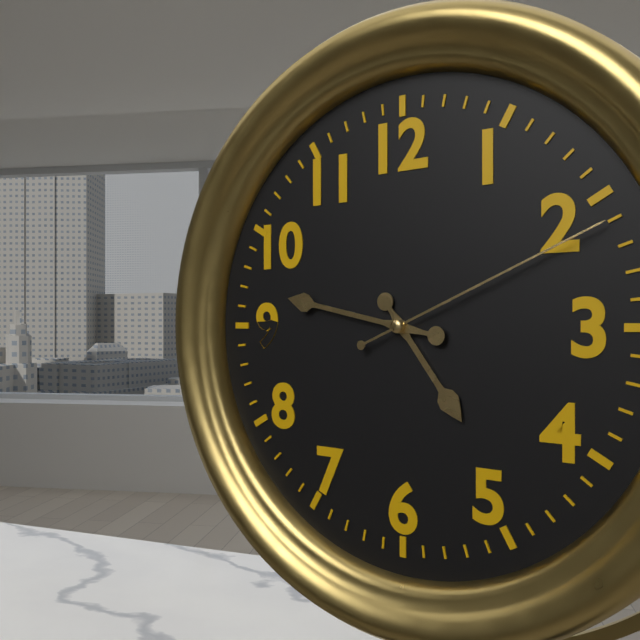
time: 4:47:11
